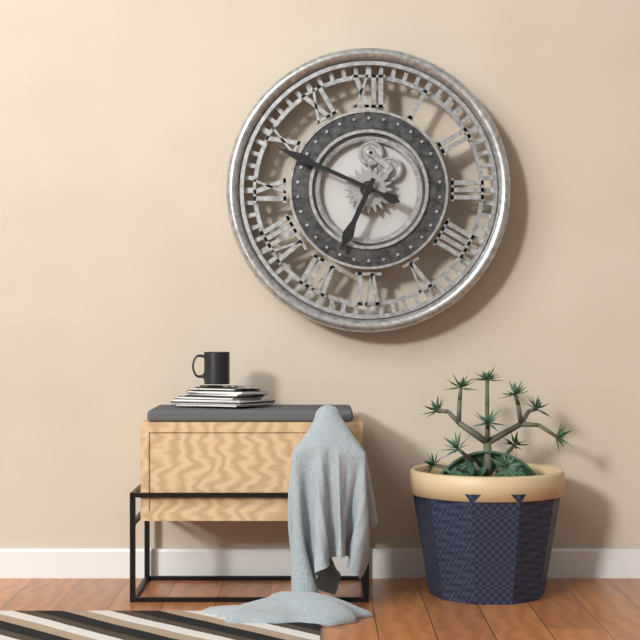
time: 6:49
